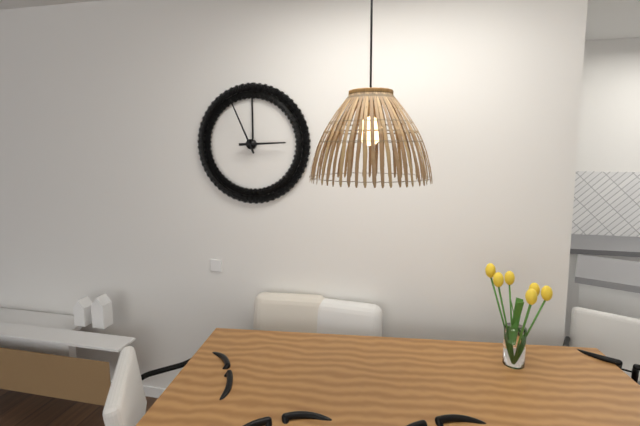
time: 2:56
